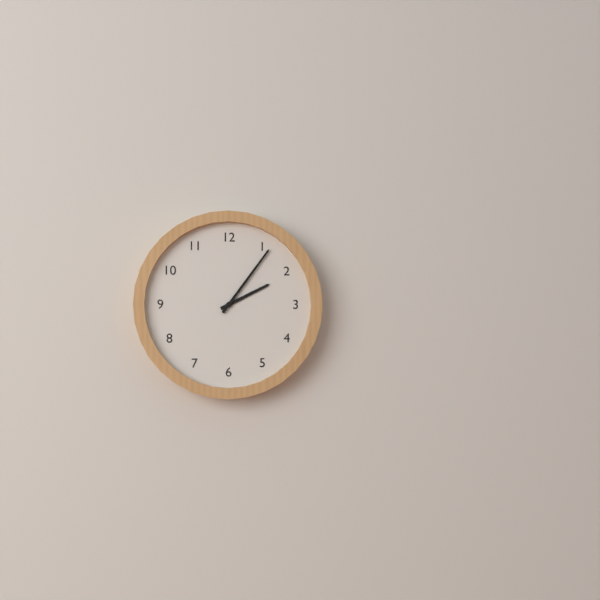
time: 2:06
